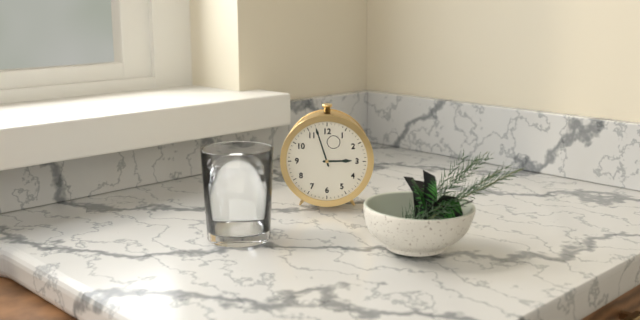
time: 2:57
